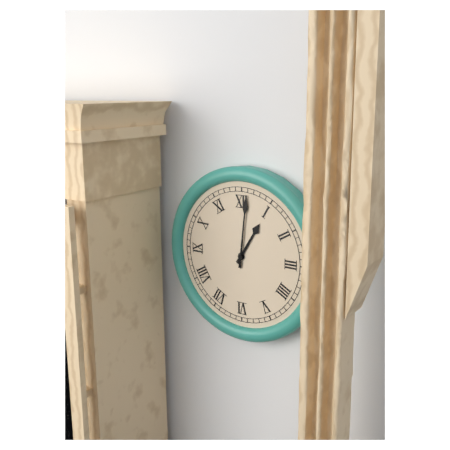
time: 1:01
